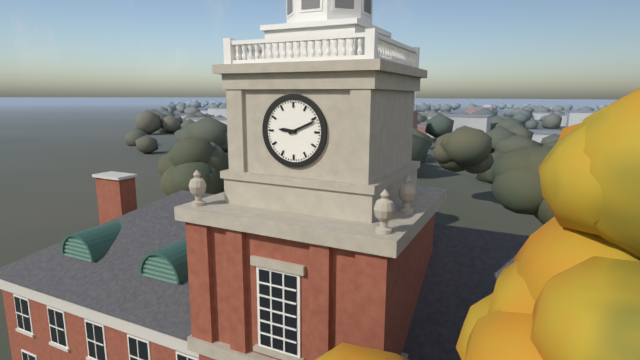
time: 9:11
